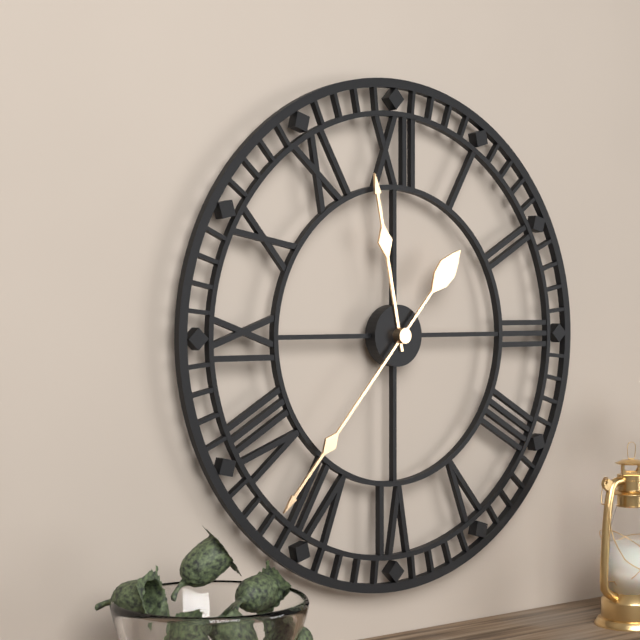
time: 11:37
